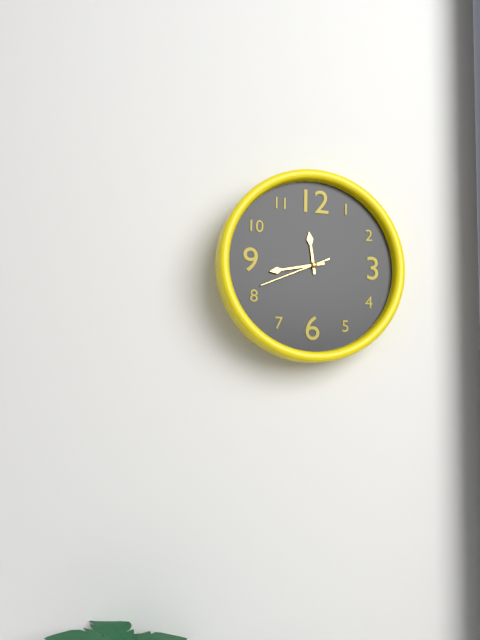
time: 11:43:41
